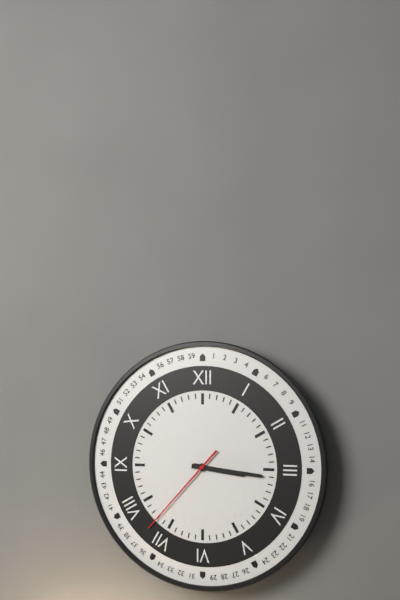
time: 3:16:37
